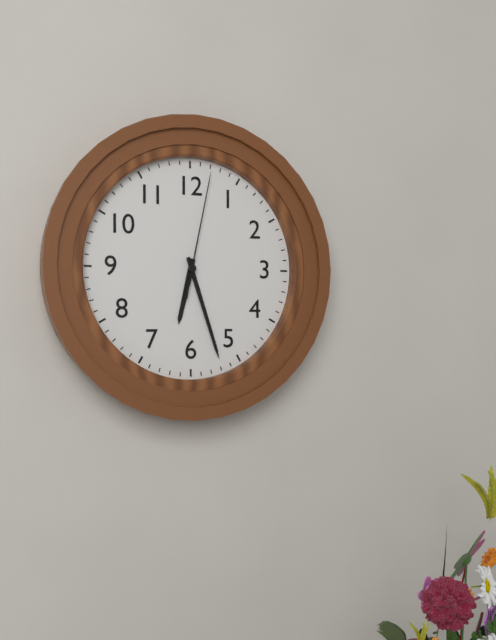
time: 6:27:02
